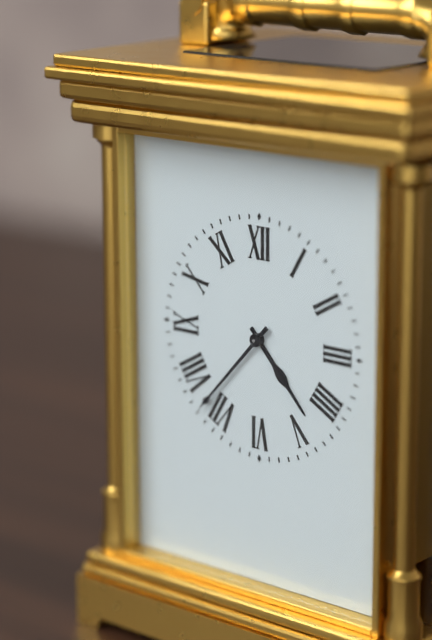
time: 4:37
